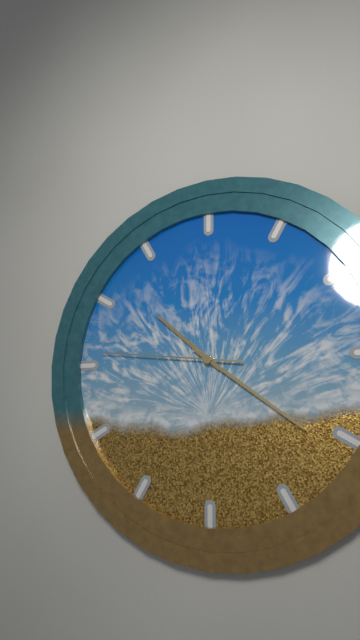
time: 10:21:46
